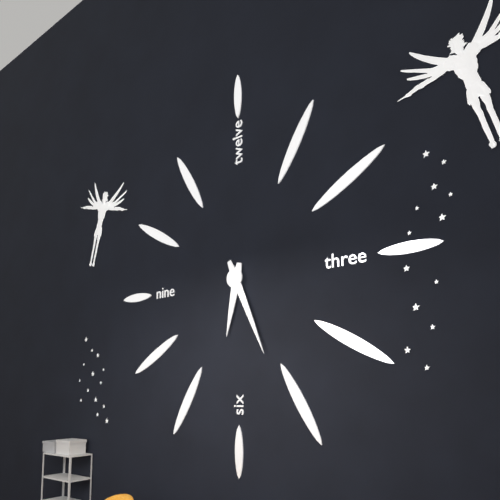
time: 6:26
